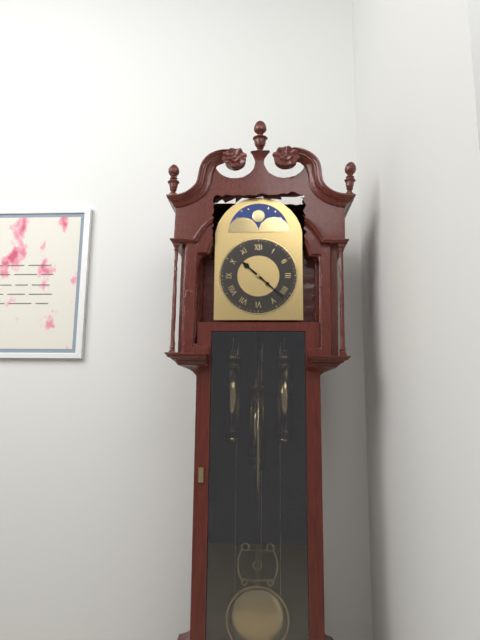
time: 10:22
